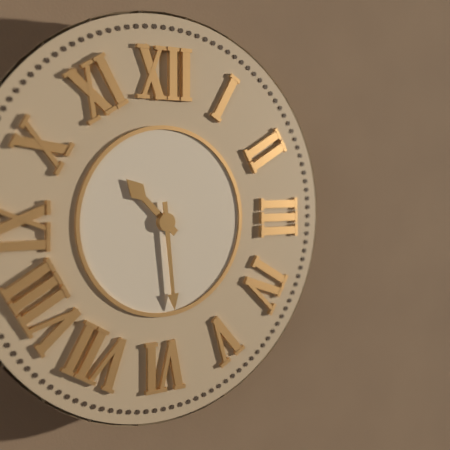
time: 10:29
